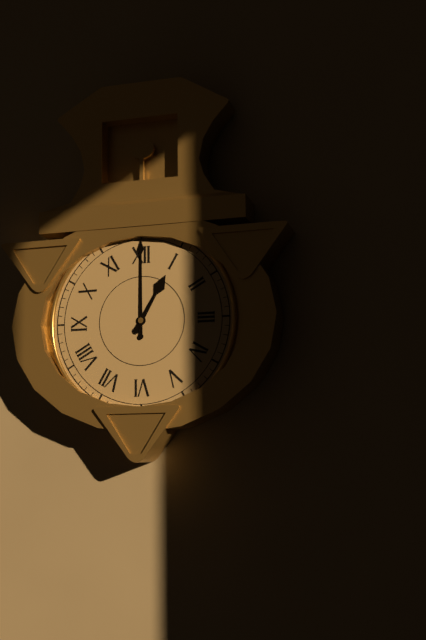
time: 1:00
